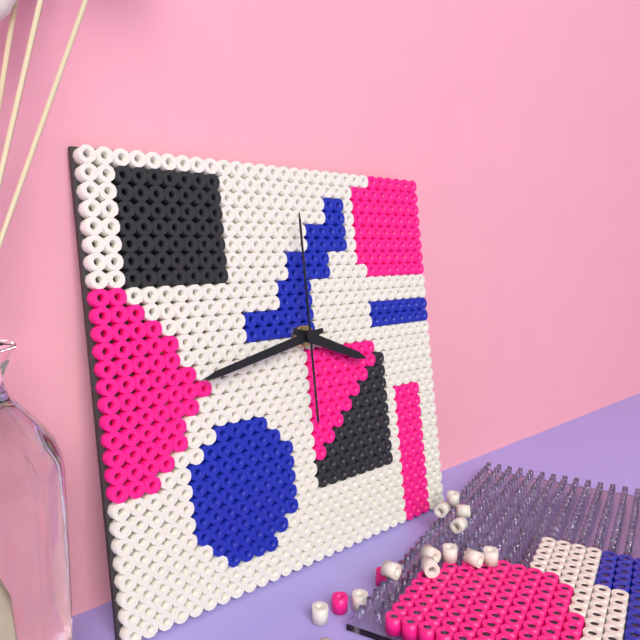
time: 3:43:00
